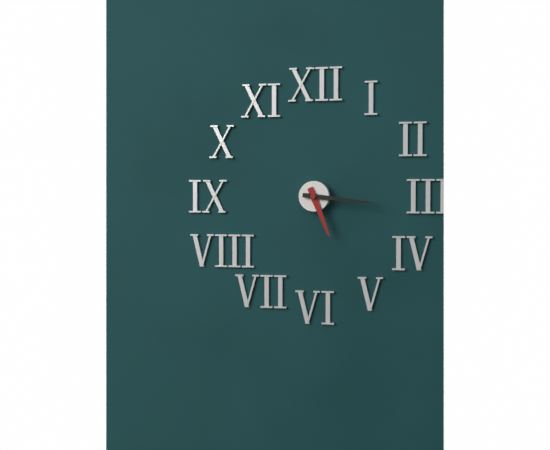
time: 5:16
